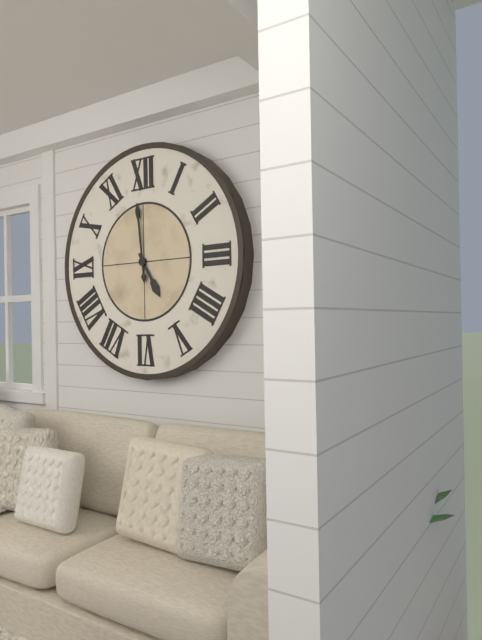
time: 4:59
